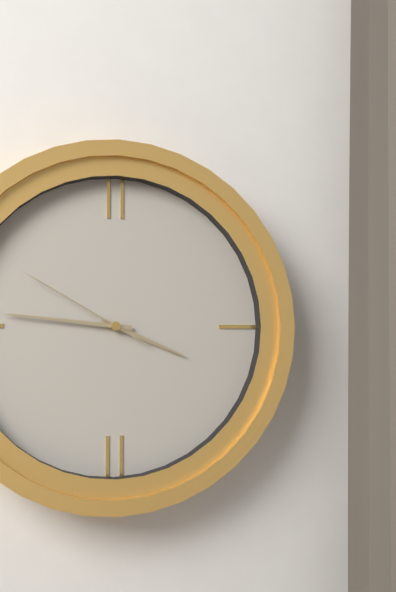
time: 3:46:50
